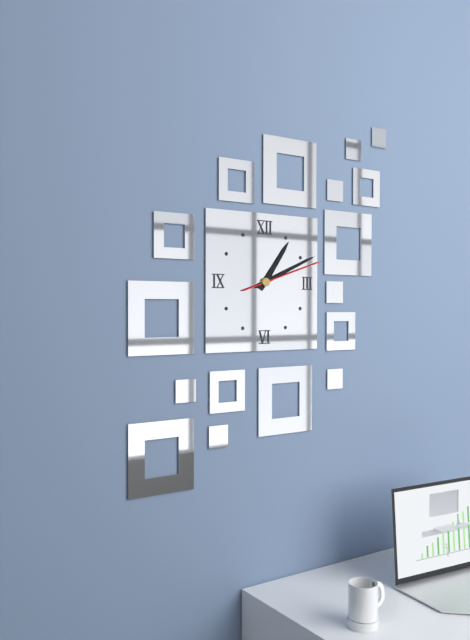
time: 1:11:12
